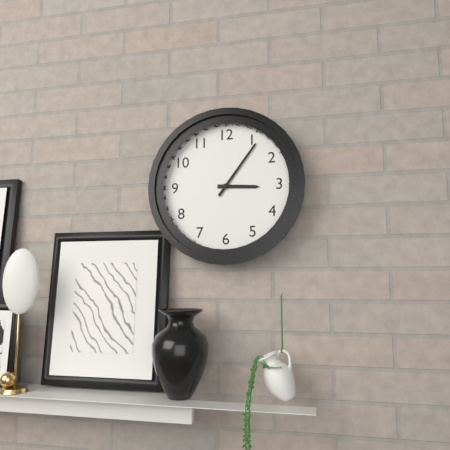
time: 3:06
